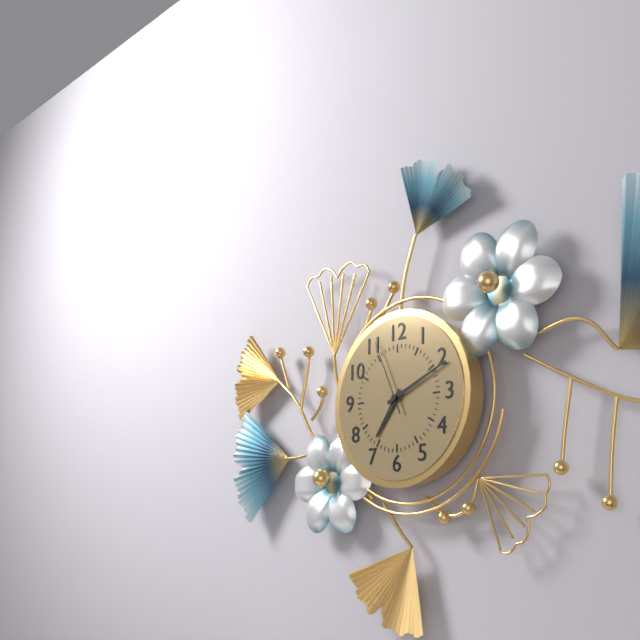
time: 7:11:56
